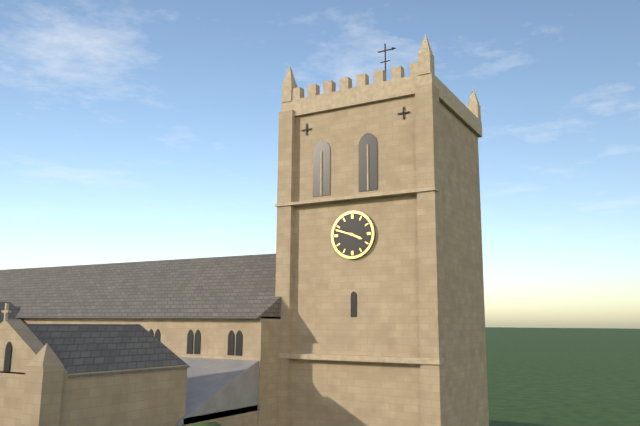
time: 3:48
